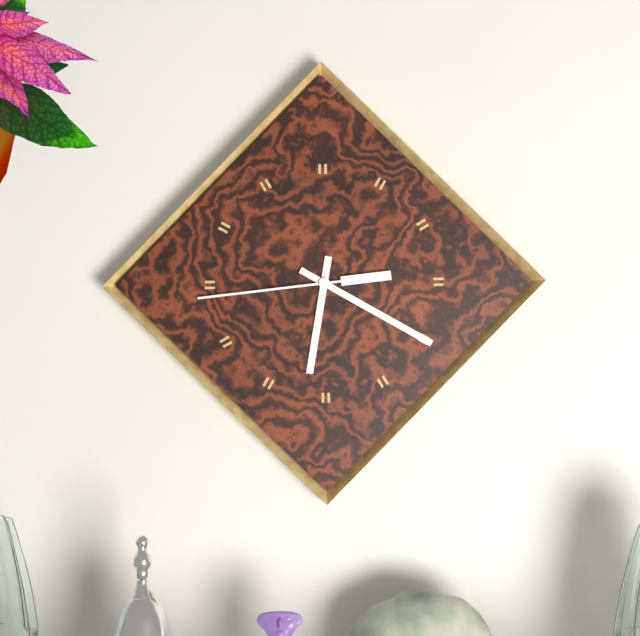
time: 6:20:44
